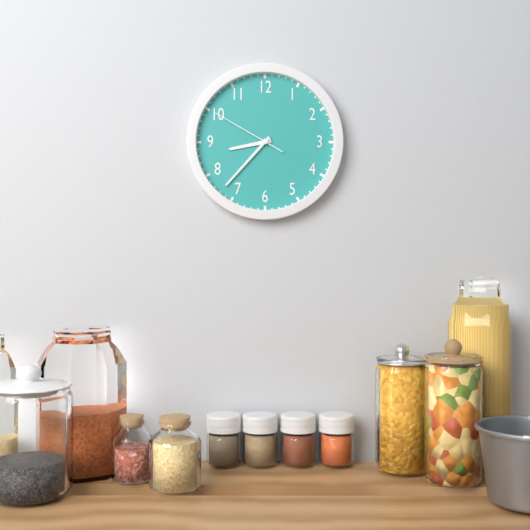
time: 8:37:50
